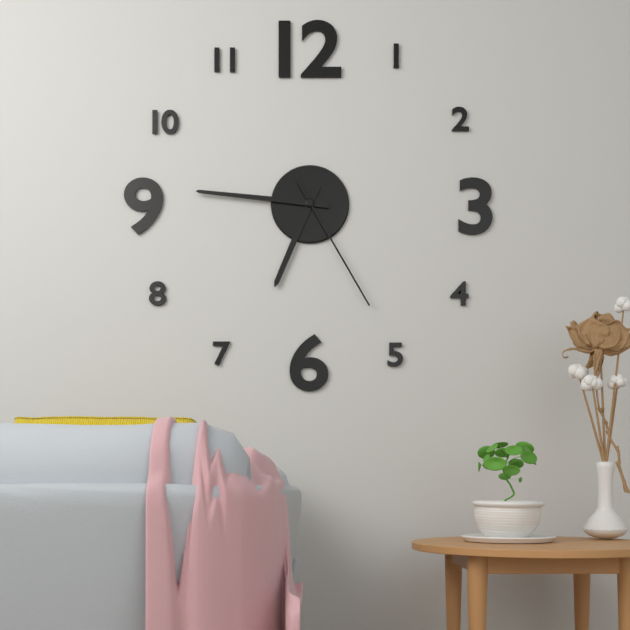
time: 6:46:25
